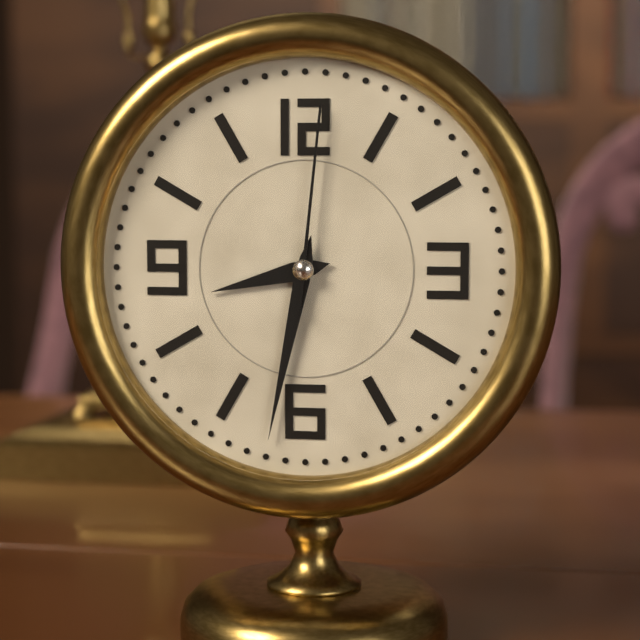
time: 8:32:01
